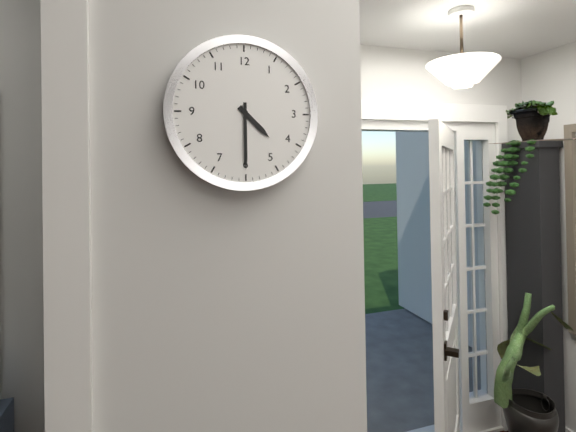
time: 4:30
